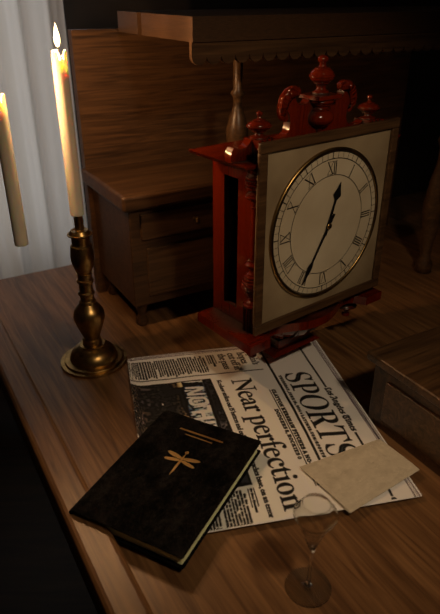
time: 12:35
